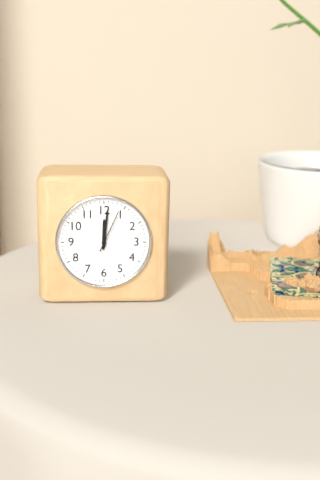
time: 12:01
